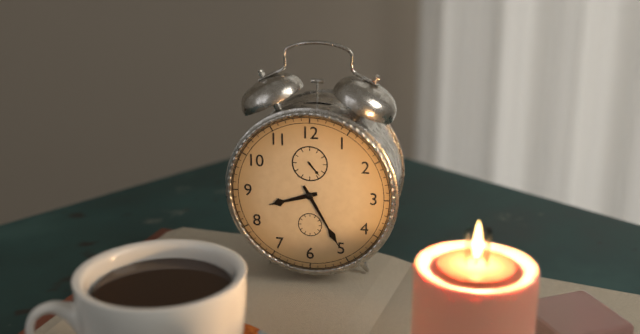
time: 8:25
